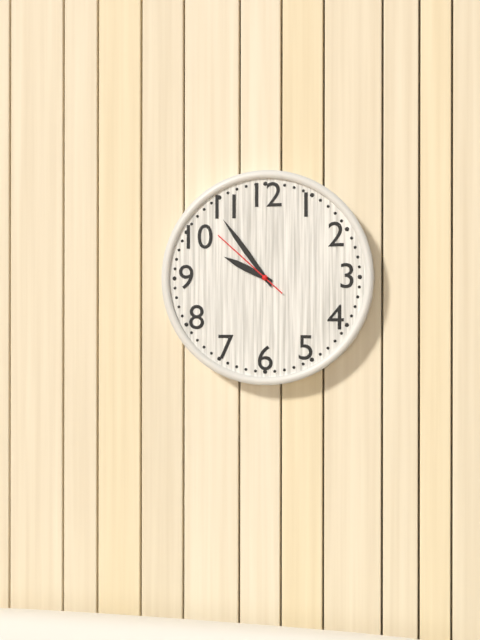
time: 9:54:52
